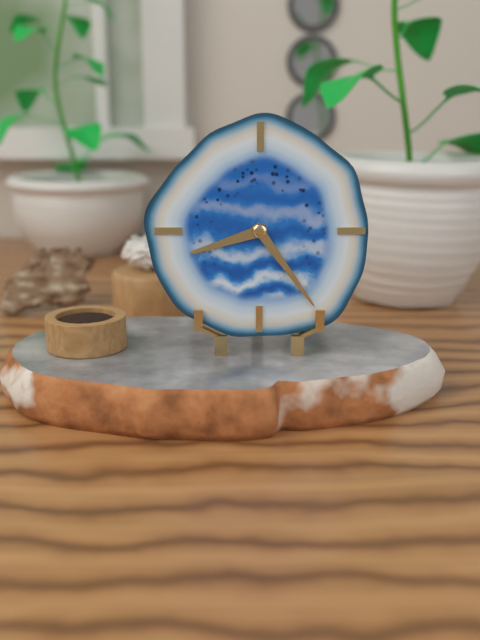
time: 8:24
